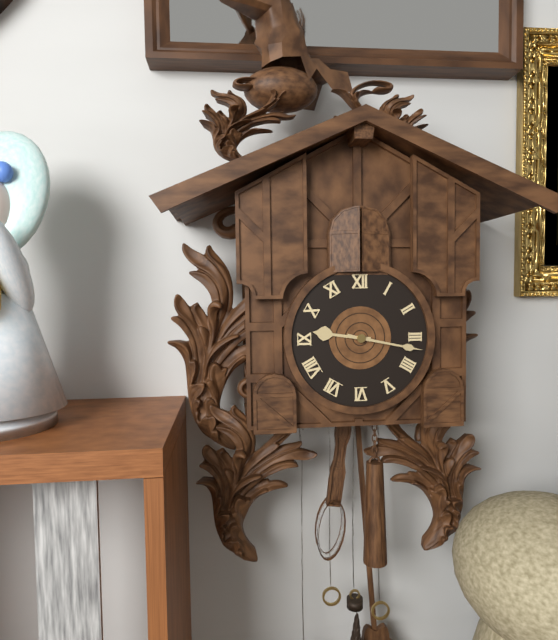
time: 9:17
